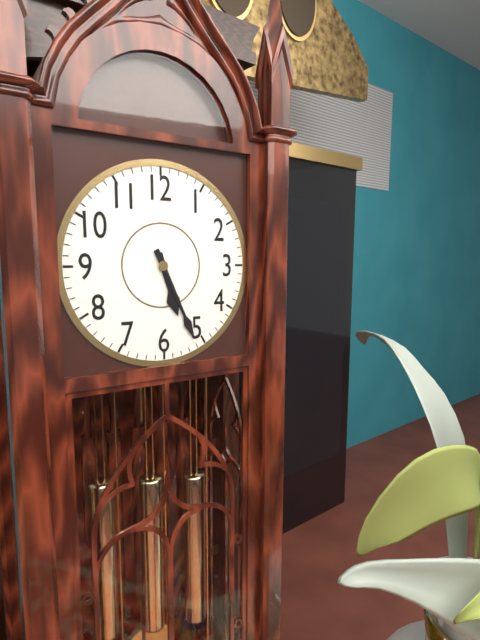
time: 5:26
